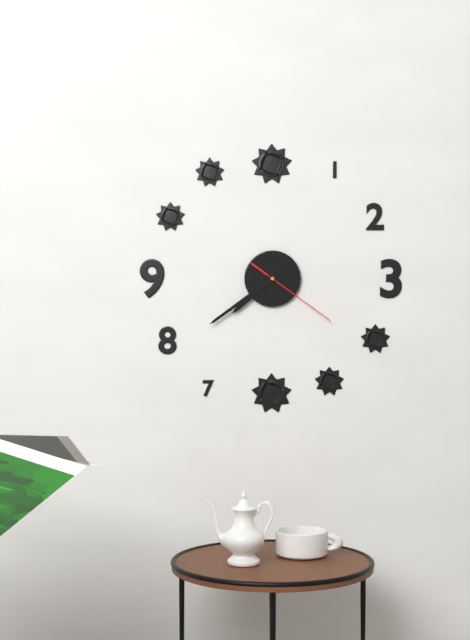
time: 7:39:21
